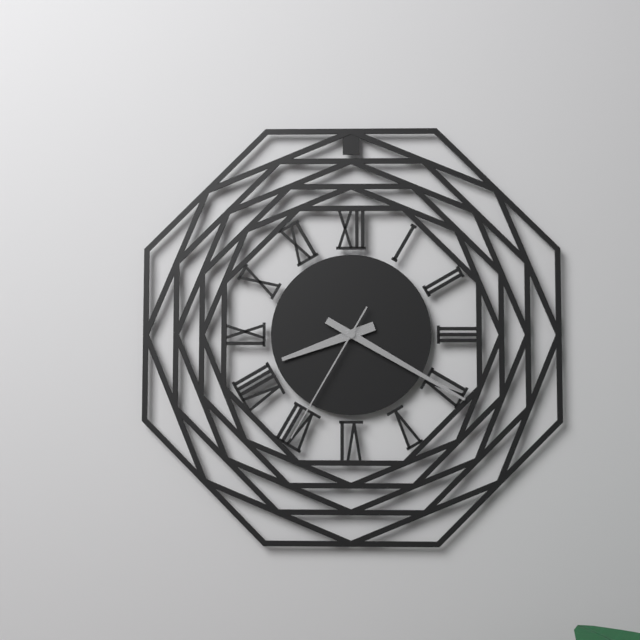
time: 8:20:35
